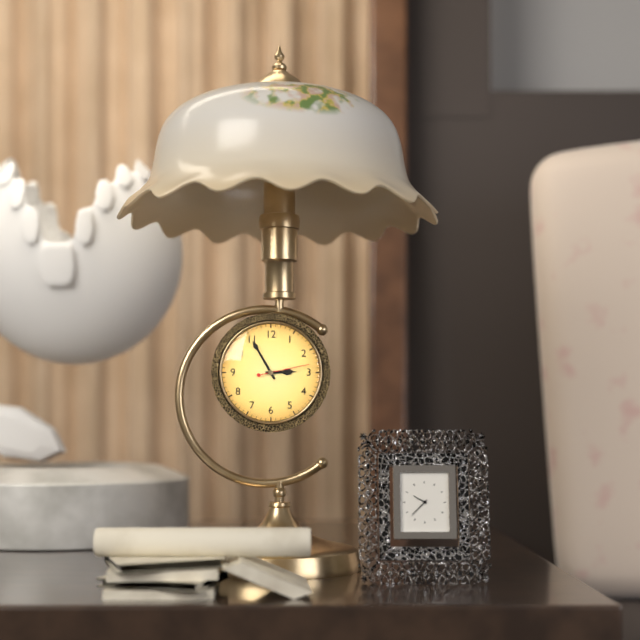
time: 2:55
